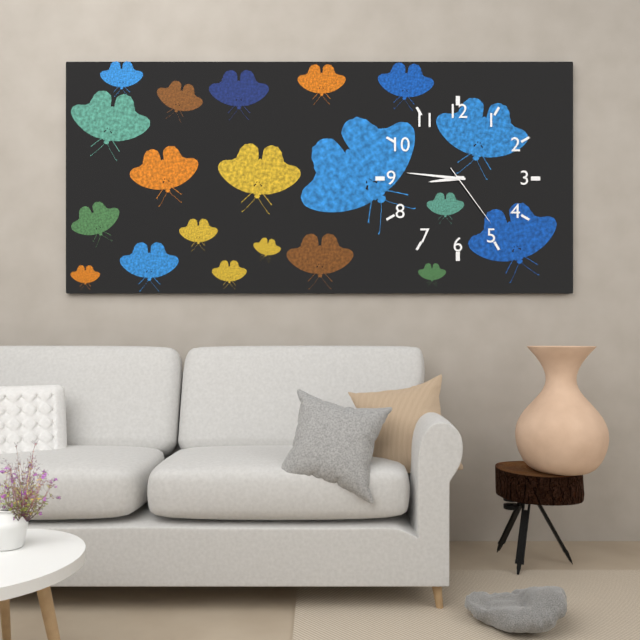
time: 8:46:24
